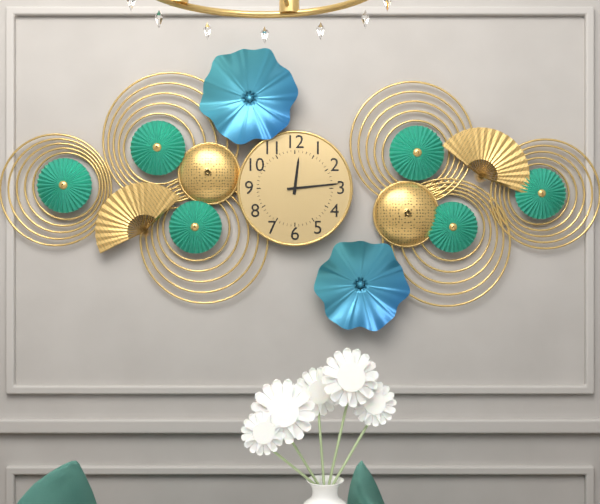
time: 12:14
